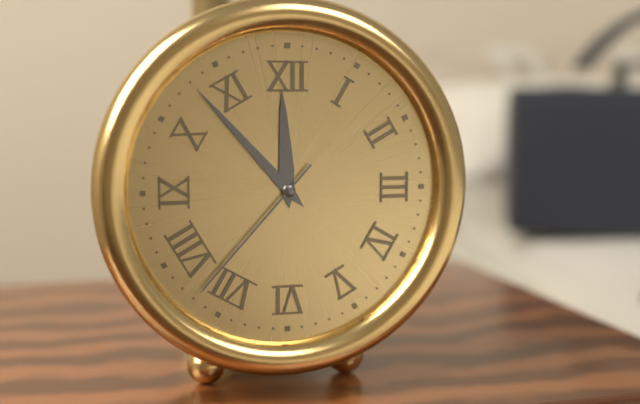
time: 11:53:37
